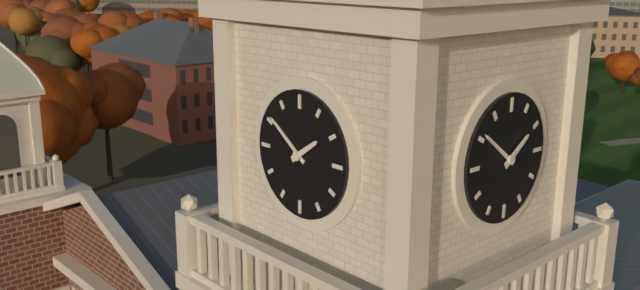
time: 1:51
